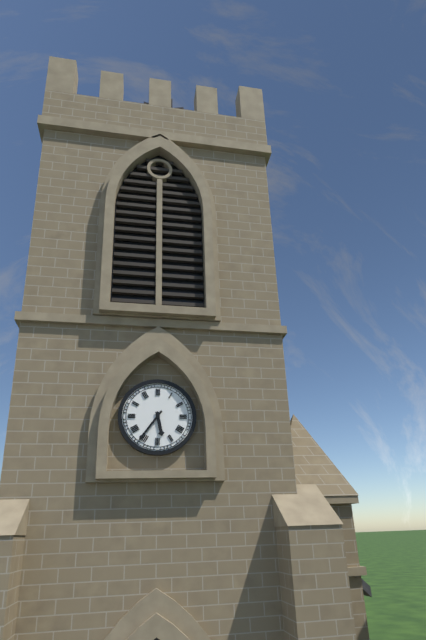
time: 5:36
